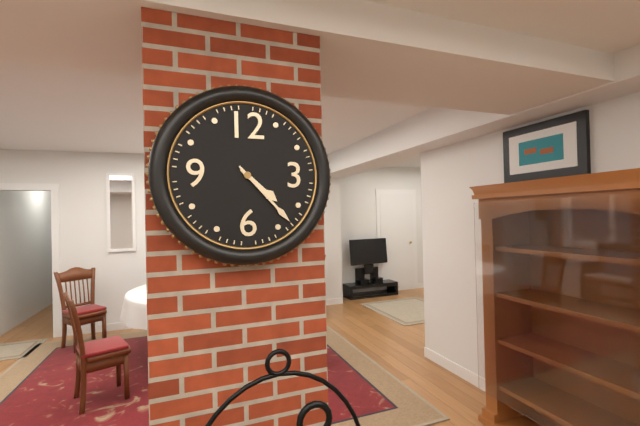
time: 4:23
